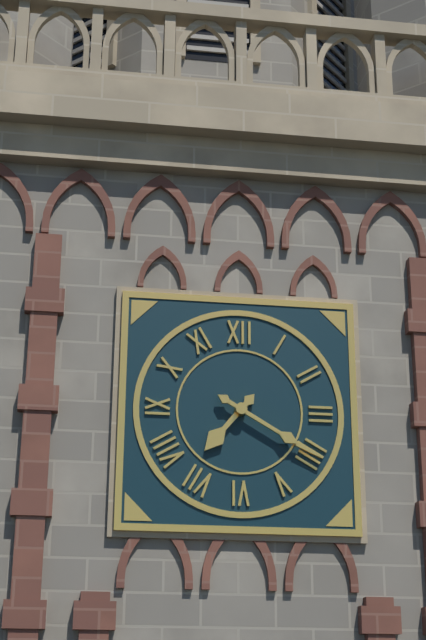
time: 7:20
